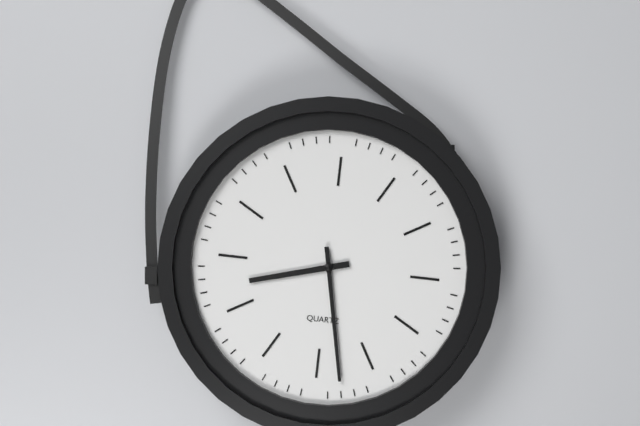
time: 8:28
